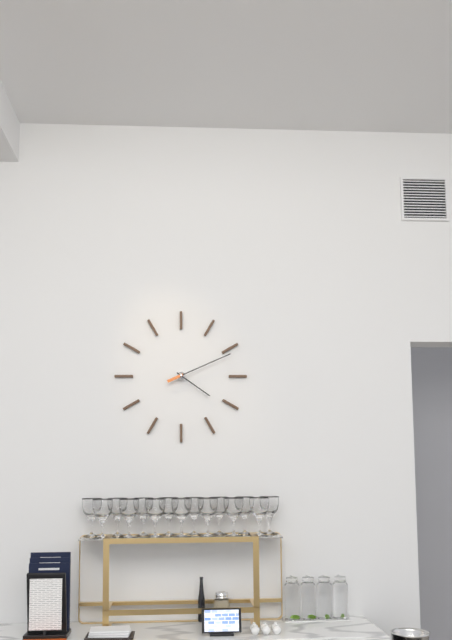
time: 4:11
